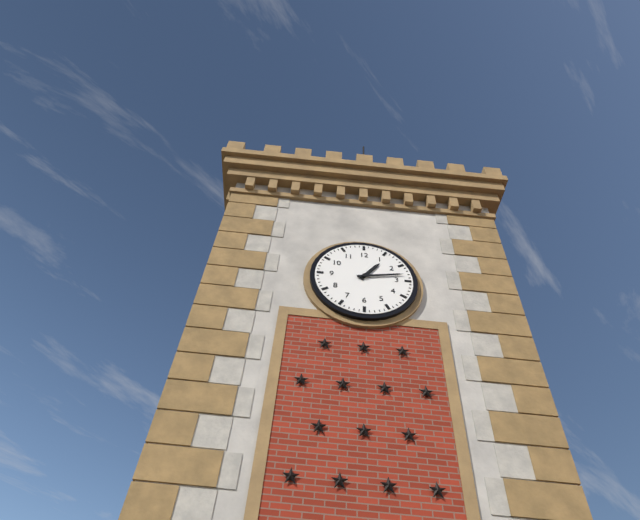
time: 1:13
